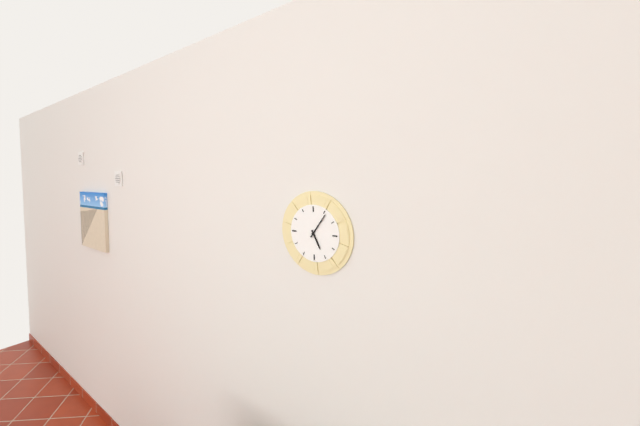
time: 5:06
